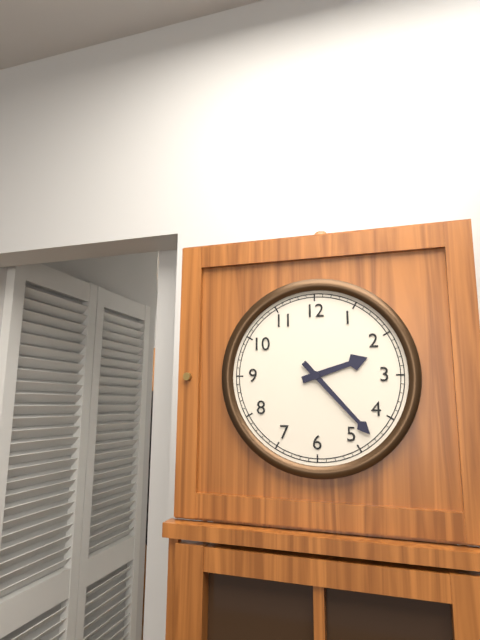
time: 2:23
